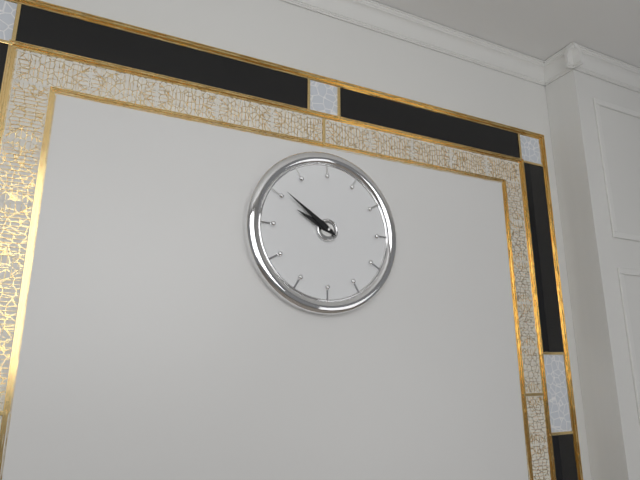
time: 9:51
